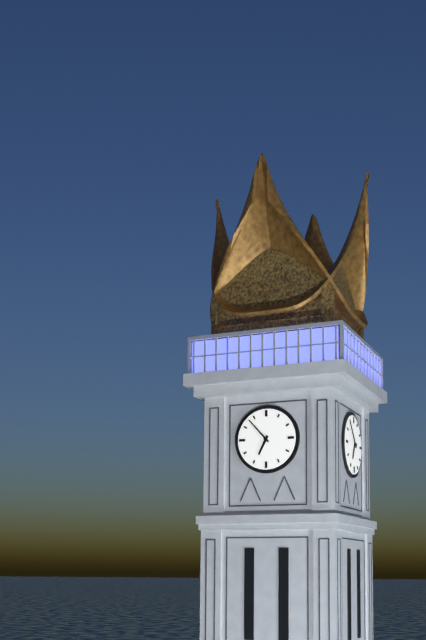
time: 6:53
